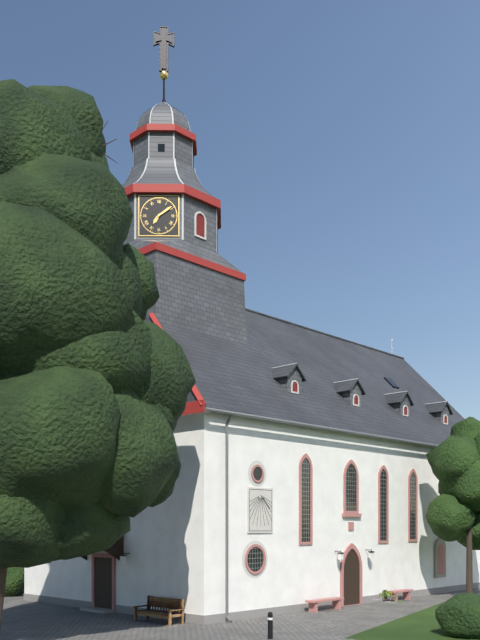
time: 7:09
